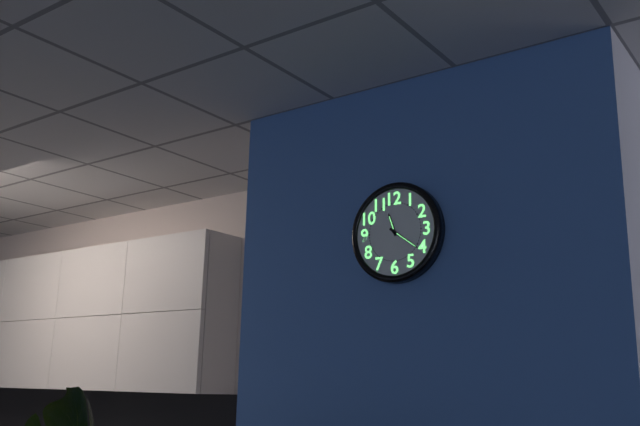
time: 11:21
